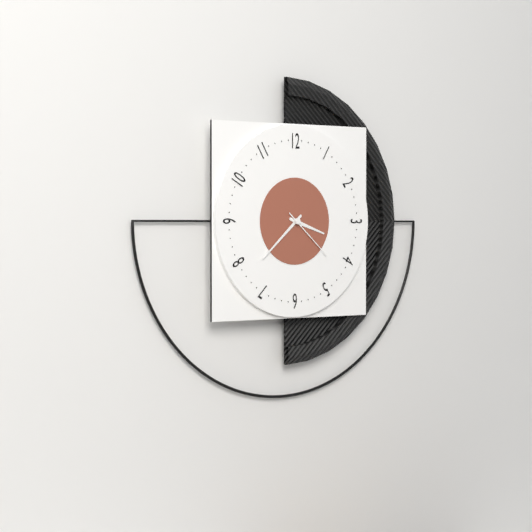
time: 3:38:22
